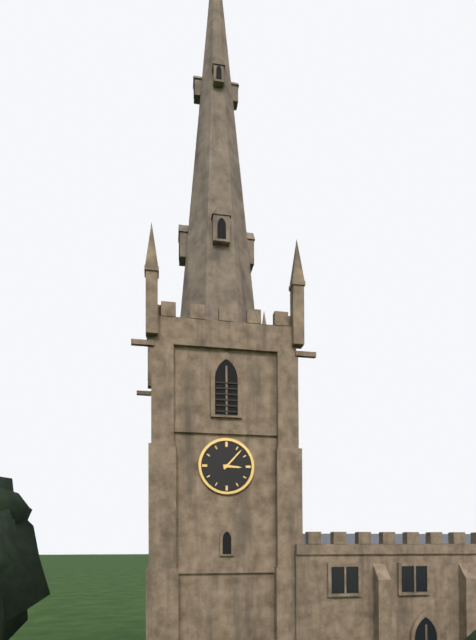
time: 3:07
